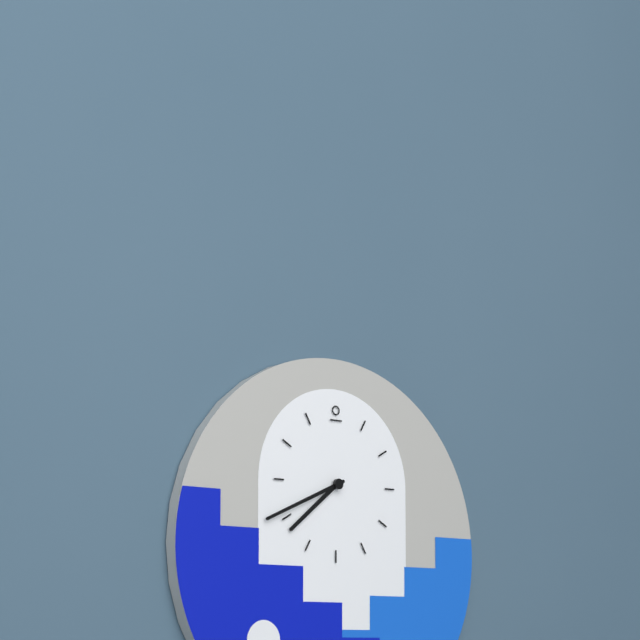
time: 7:41
